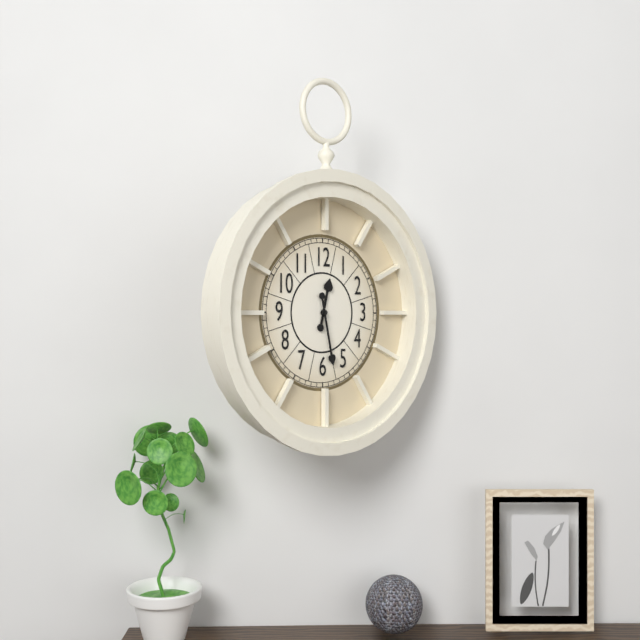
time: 12:28
